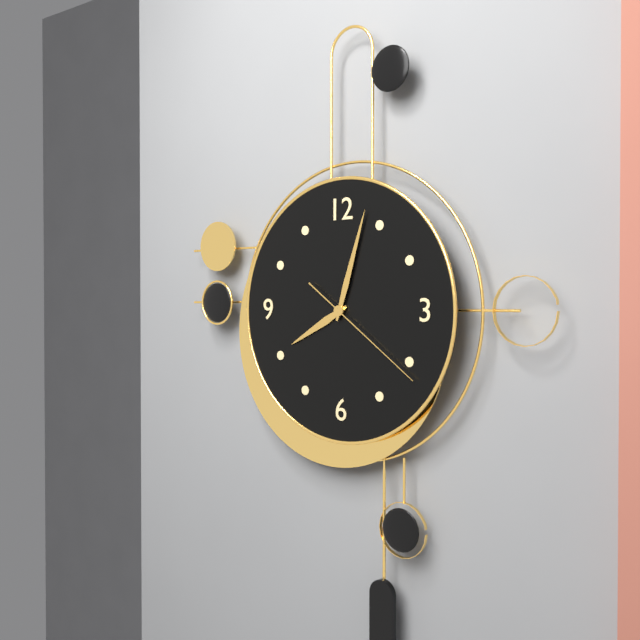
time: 8:03:21
